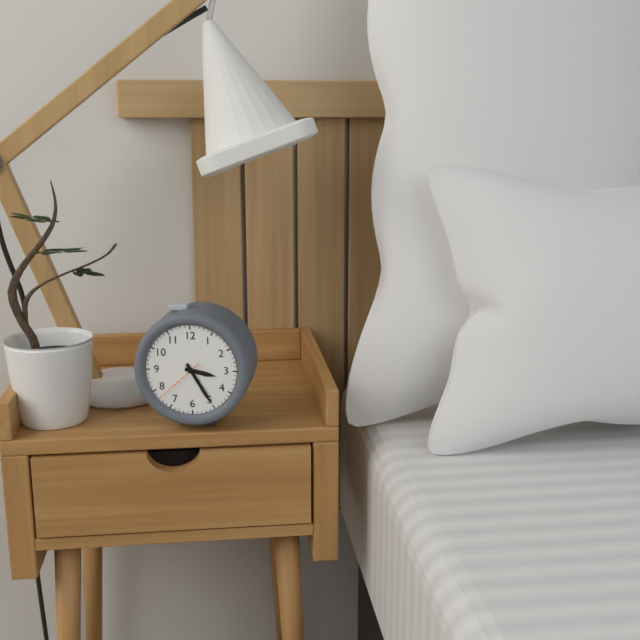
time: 3:25:38
